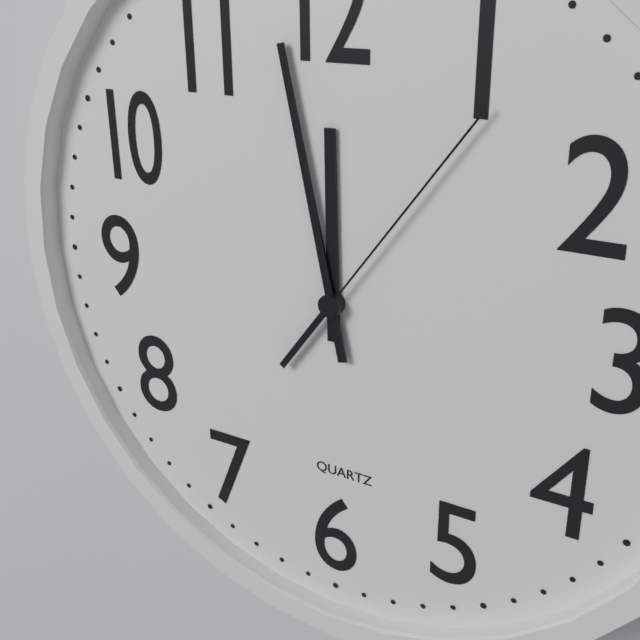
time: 11:58:06
